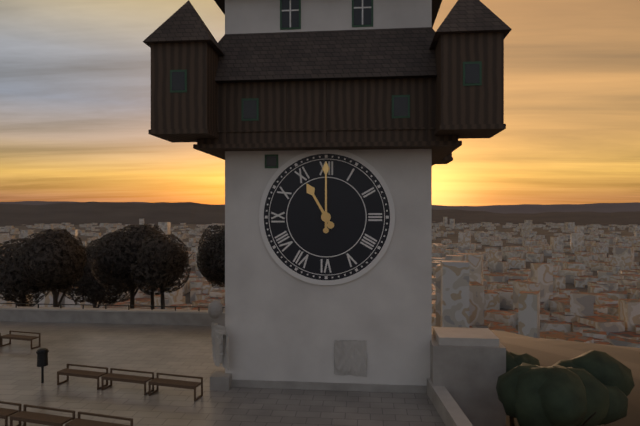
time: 11:00
